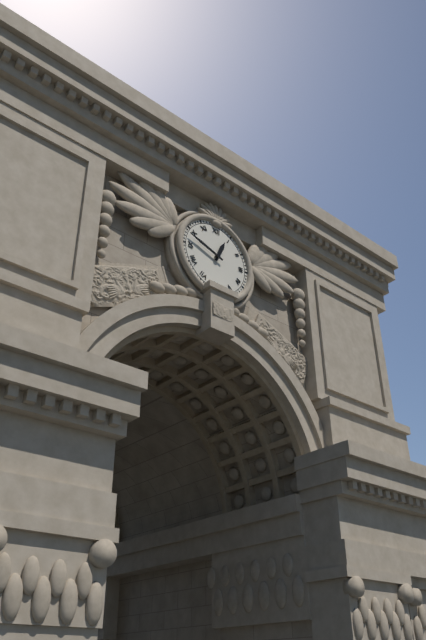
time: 12:48
